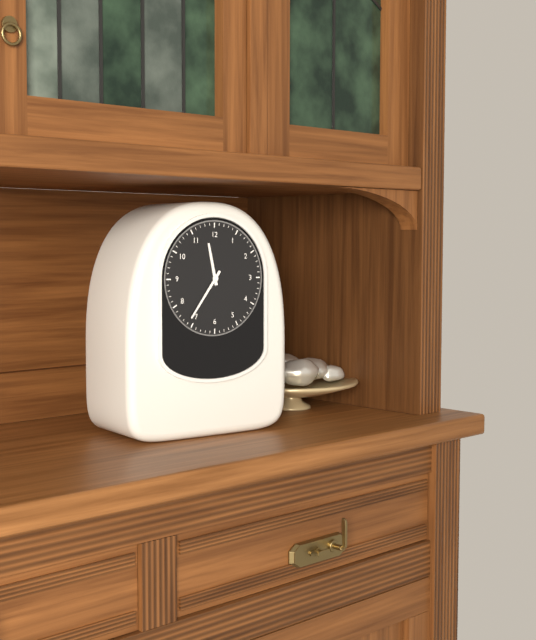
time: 11:36
